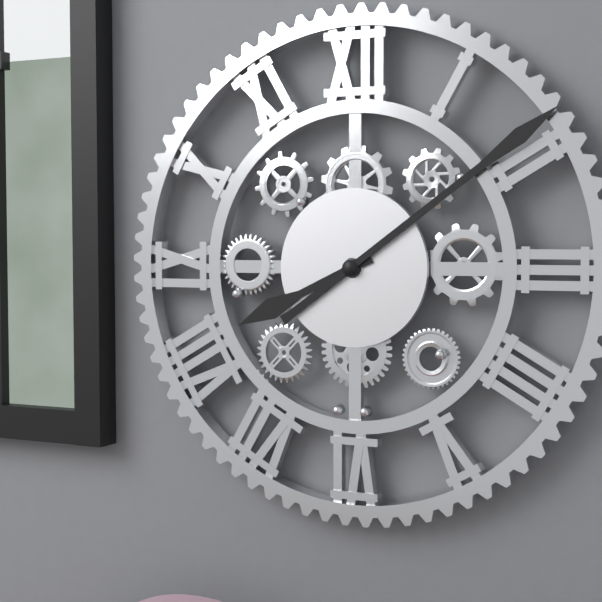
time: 8:09
